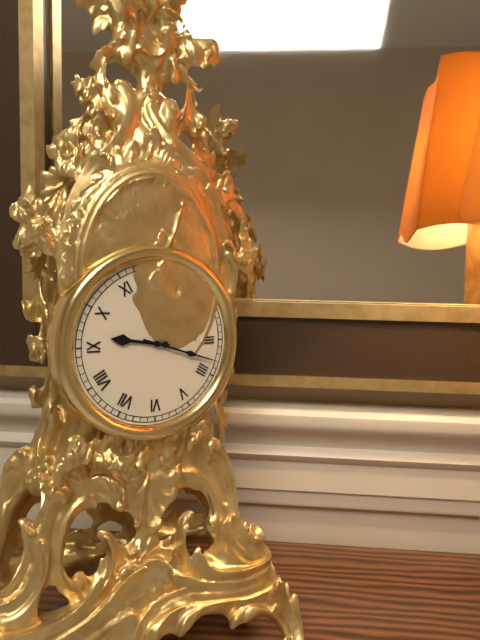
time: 9:18
